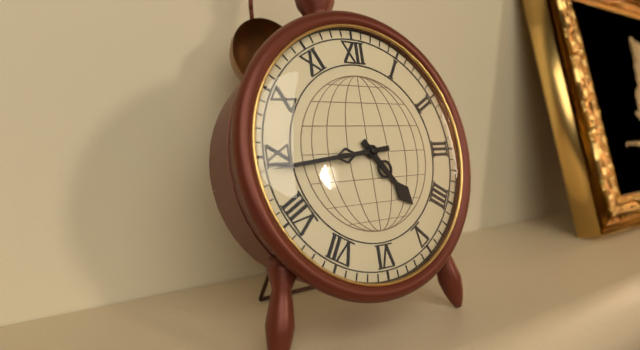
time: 4:44
